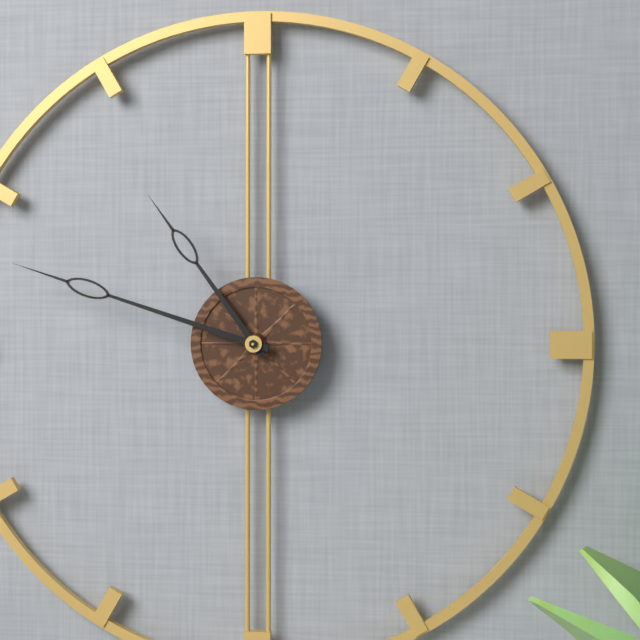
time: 10:48
